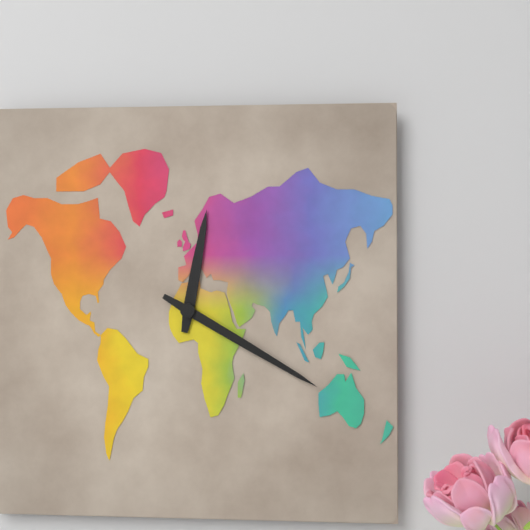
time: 12:20
